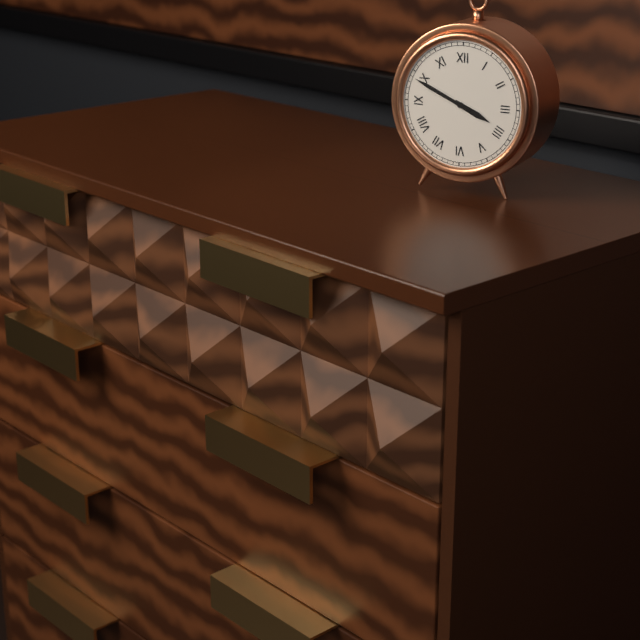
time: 3:49
